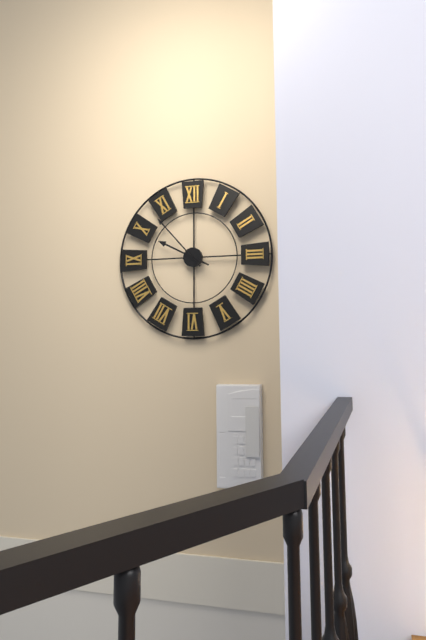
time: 9:53
